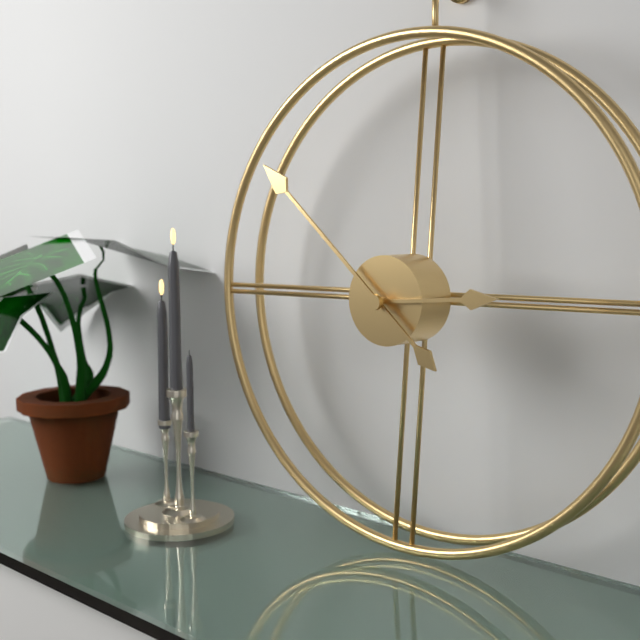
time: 2:52
